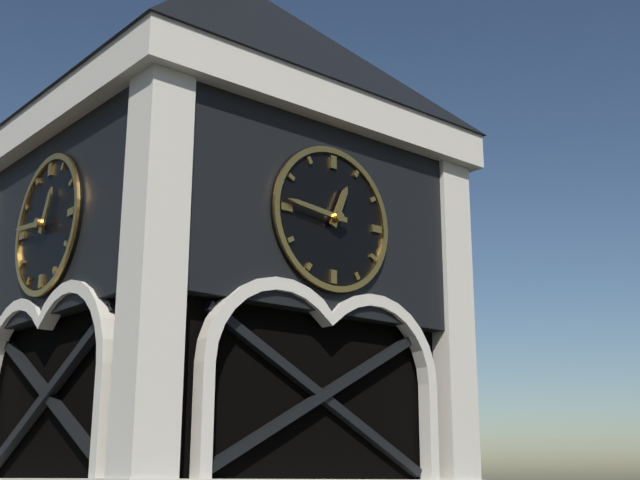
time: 12:46
